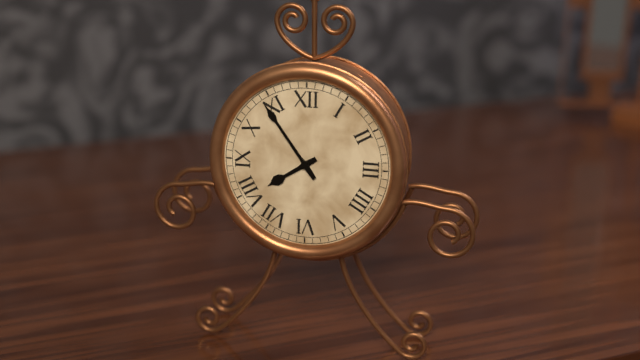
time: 7:54
